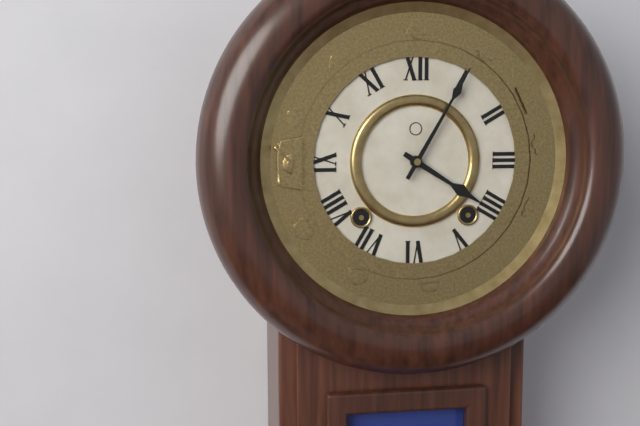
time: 4:05
